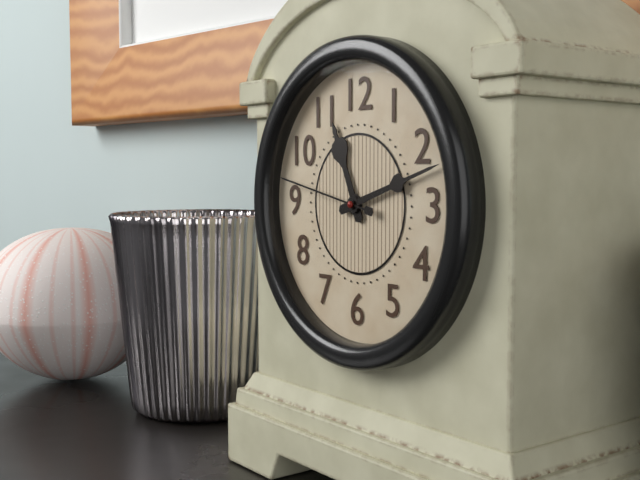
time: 11:12:47
